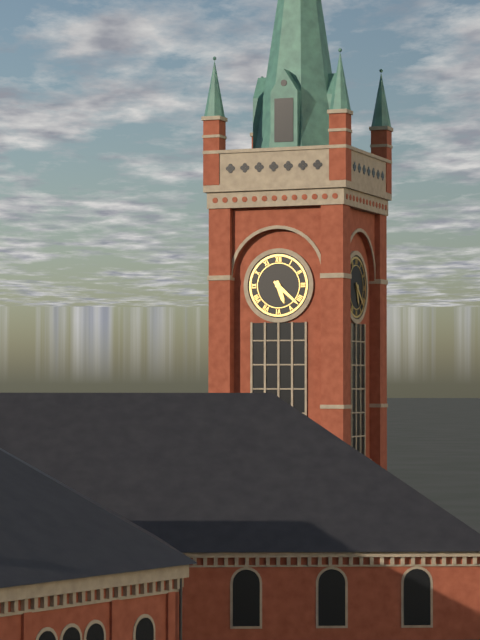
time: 5:22
